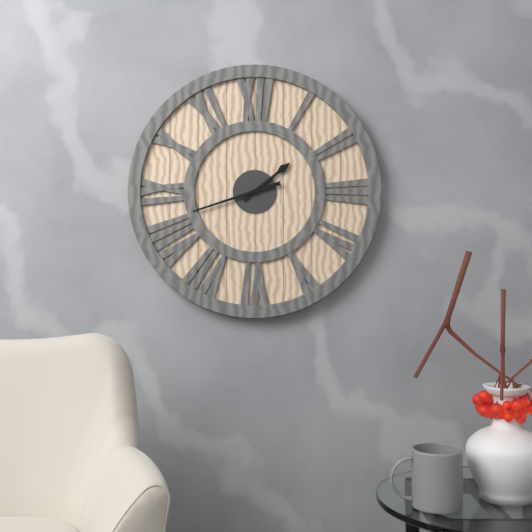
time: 1:42
